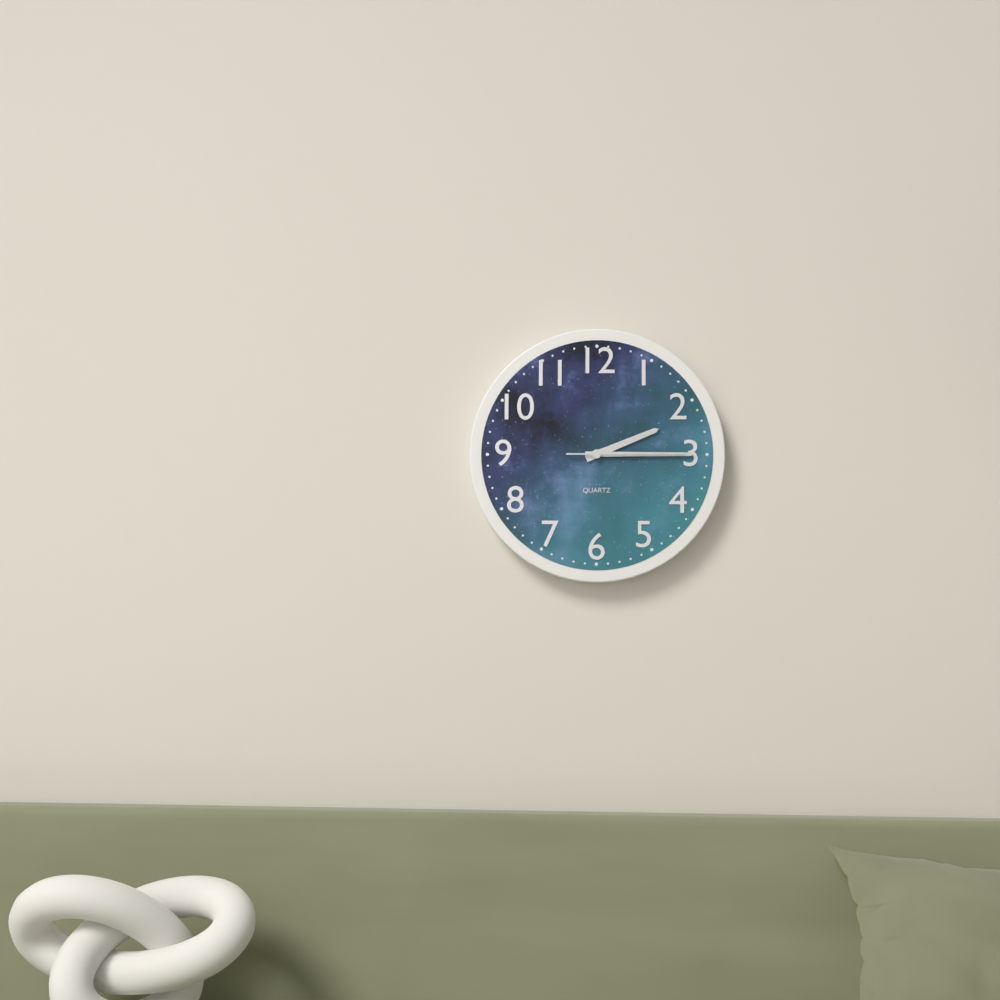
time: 2:15:15
